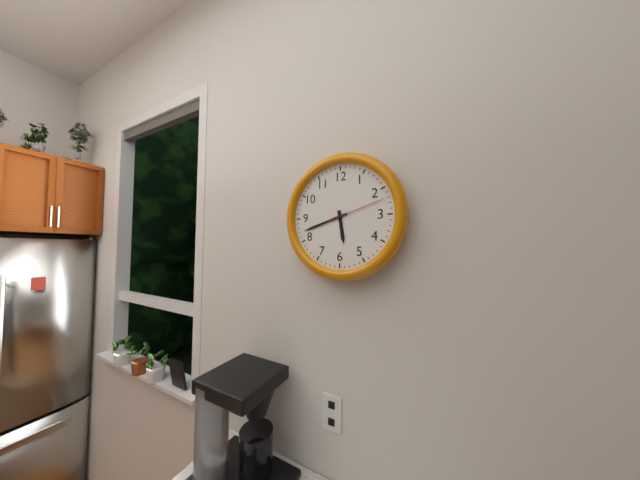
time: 5:42:12
